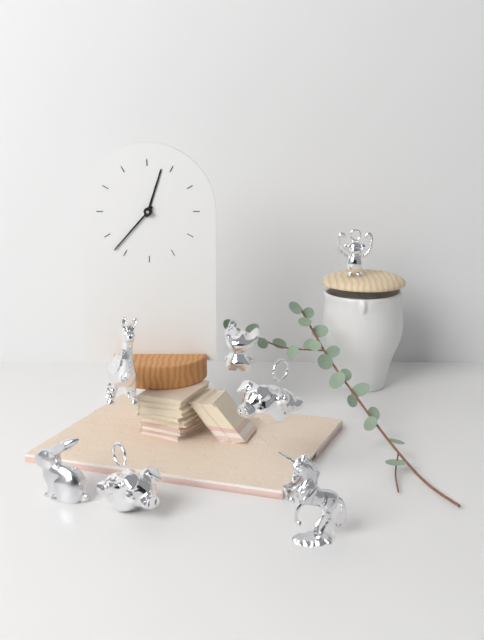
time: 12:37
